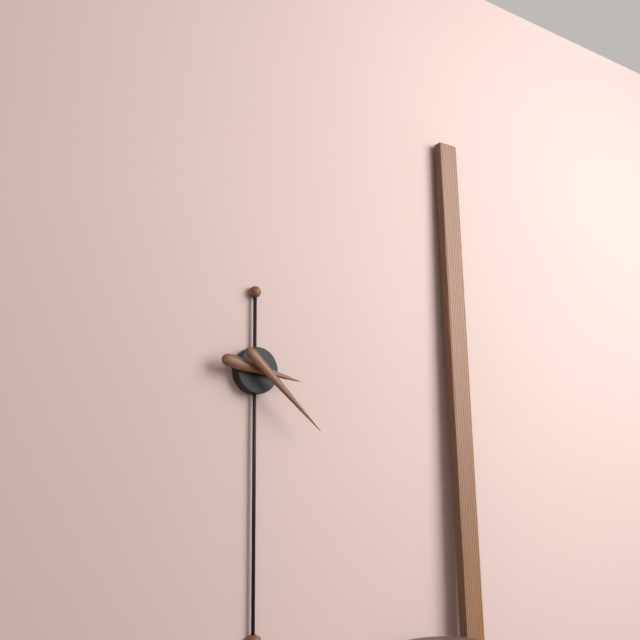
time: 3:22
